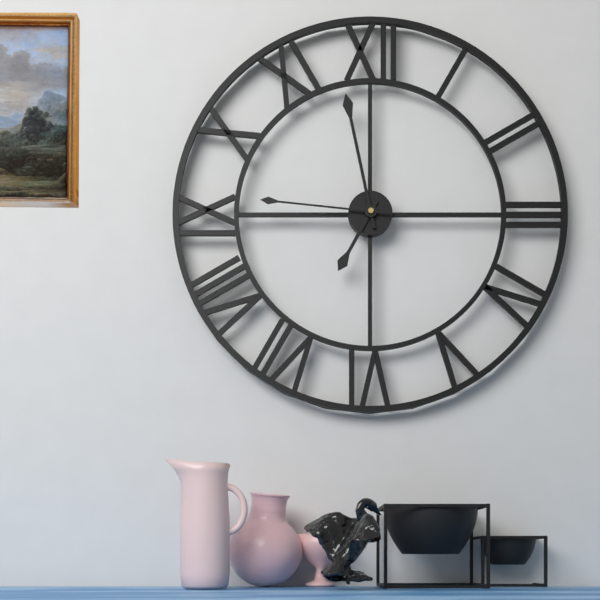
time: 6:58:46
